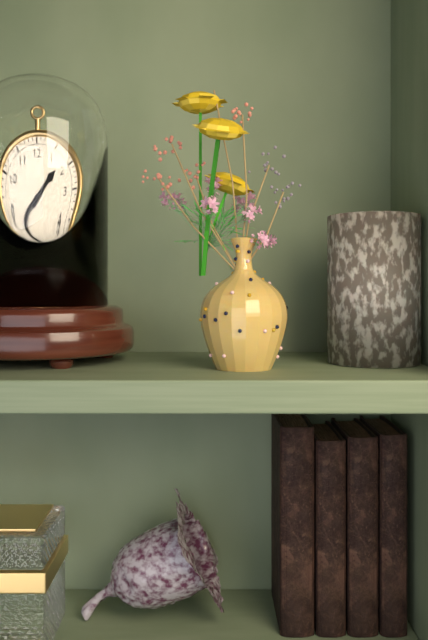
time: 1:41
